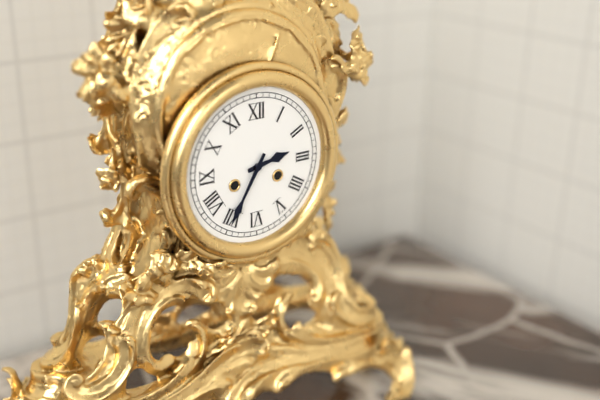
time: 2:35
